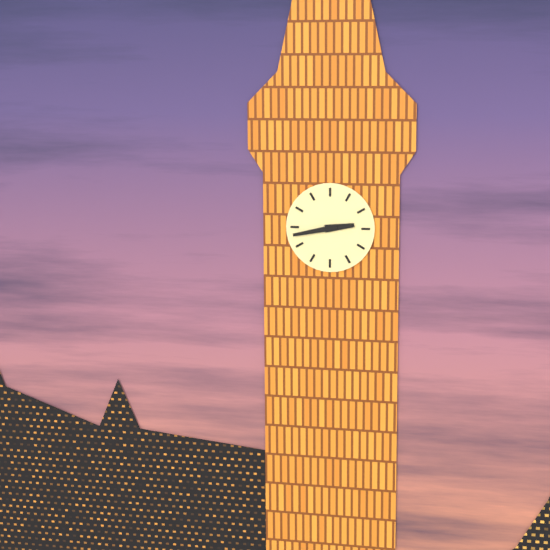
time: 2:43
